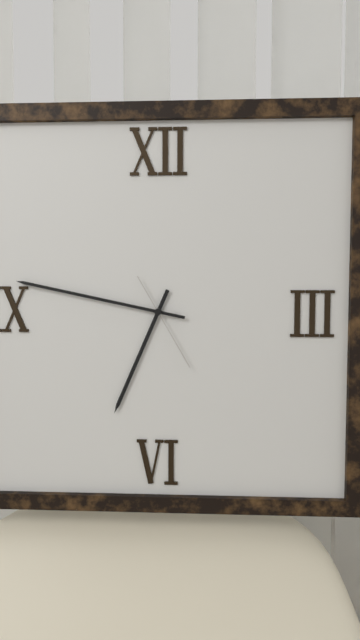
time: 6:47:25
